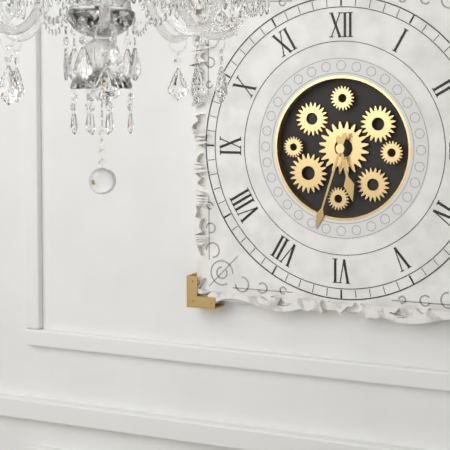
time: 5:33
